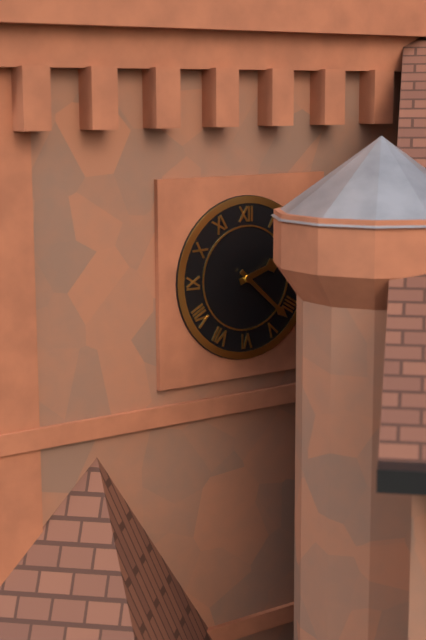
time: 2:22
